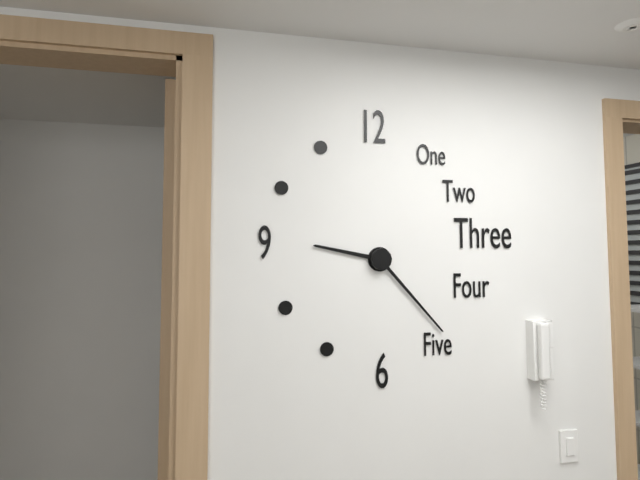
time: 9:23
